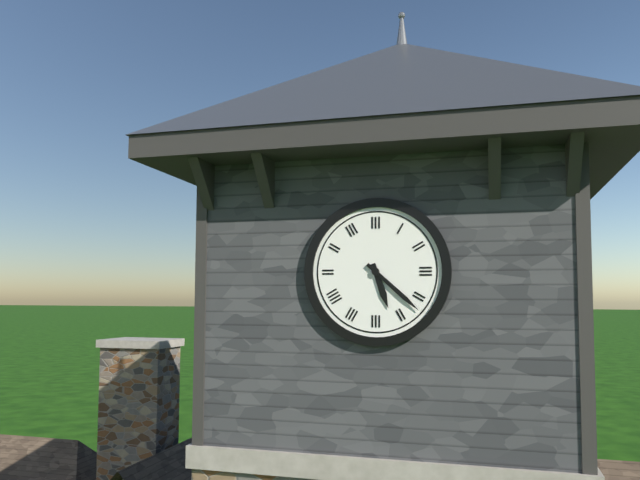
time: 5:22
